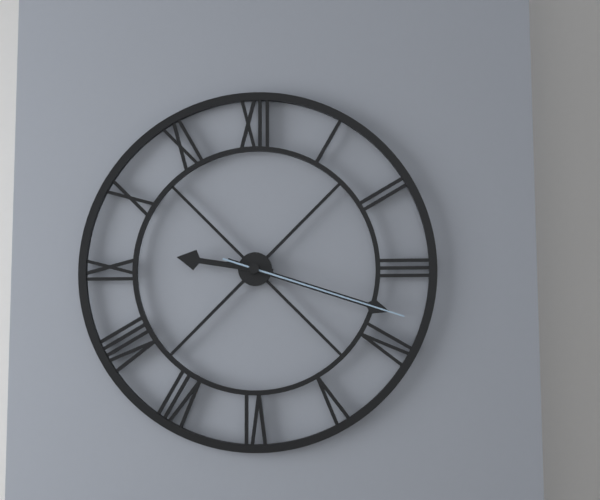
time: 9:18:18
